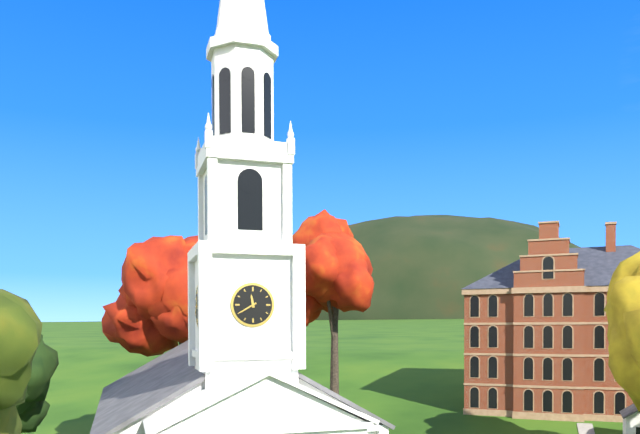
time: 11:40
